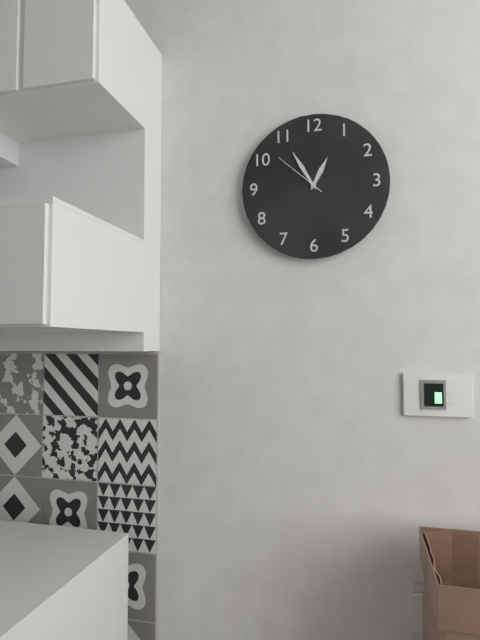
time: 12:55:52
